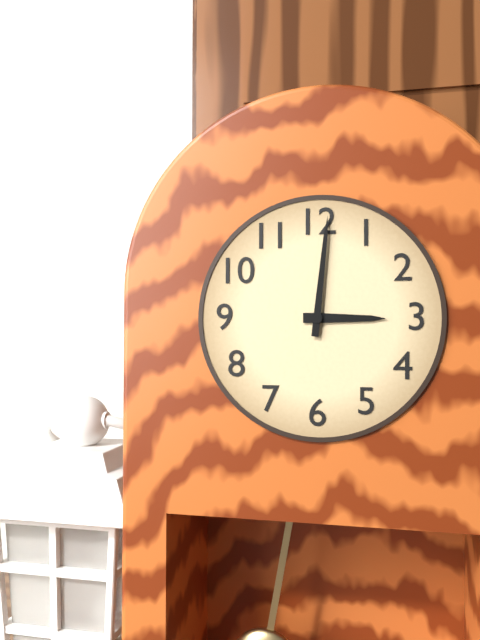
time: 3:01
